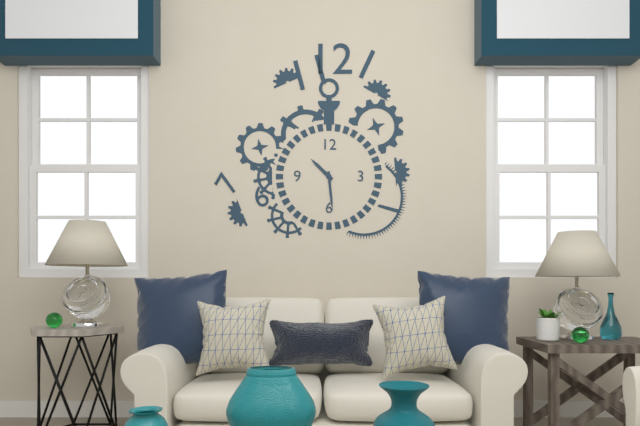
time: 10:29
